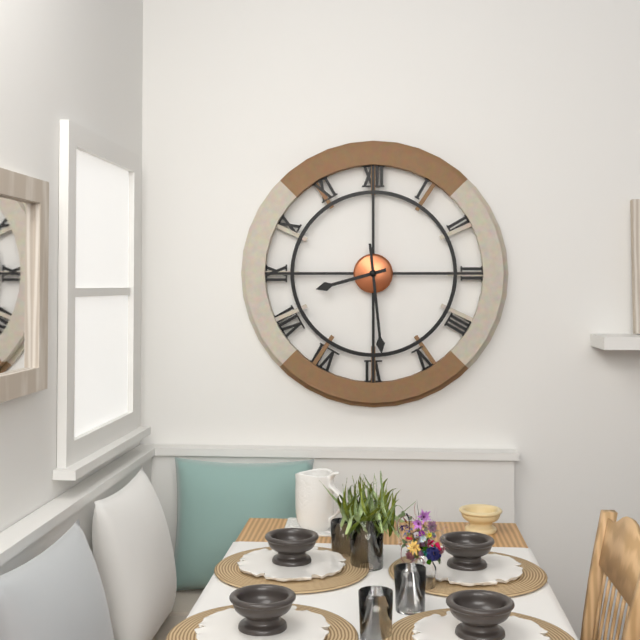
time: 8:29
